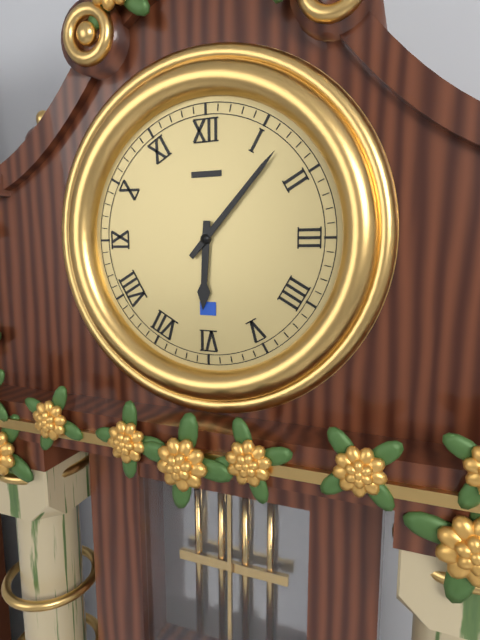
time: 6:07
